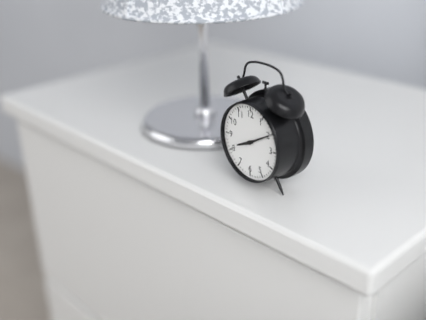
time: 8:10
